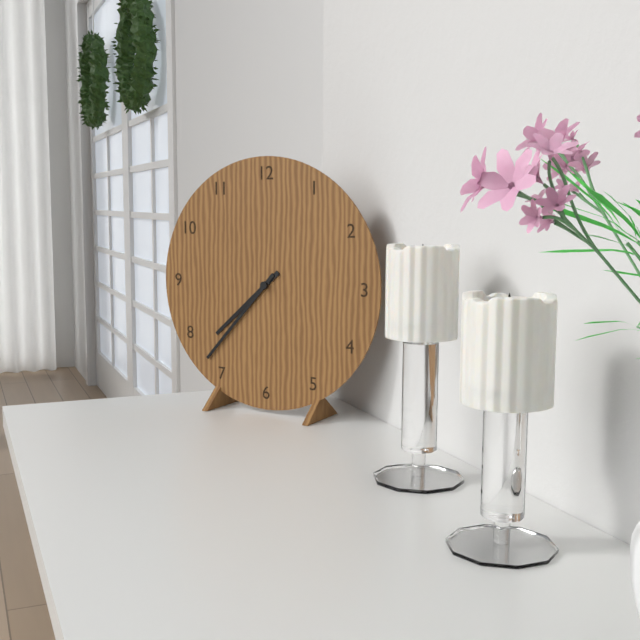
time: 7:37
